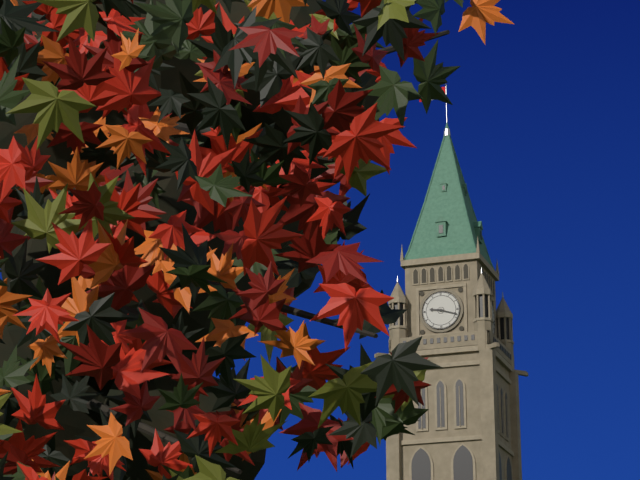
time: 9:18
